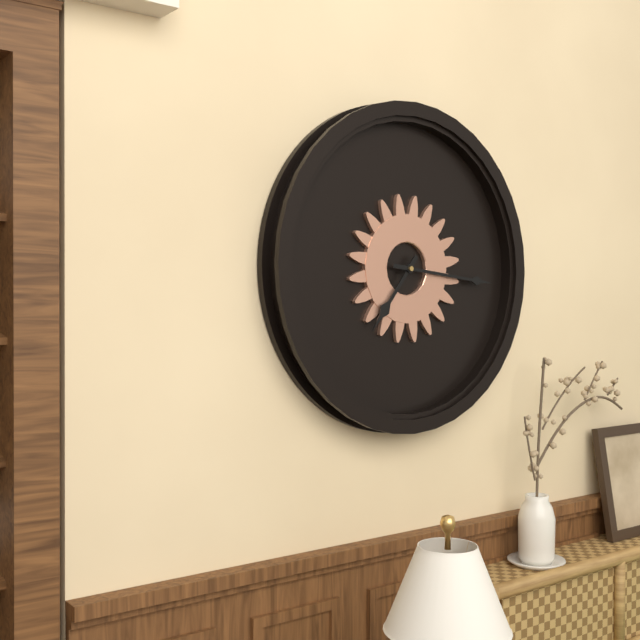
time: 7:16
